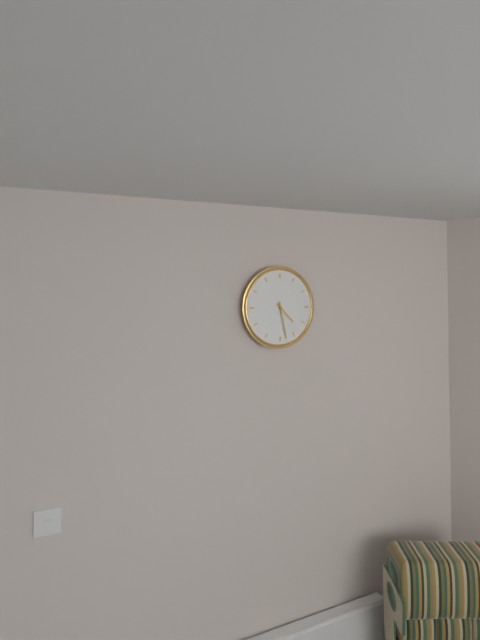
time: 4:28
